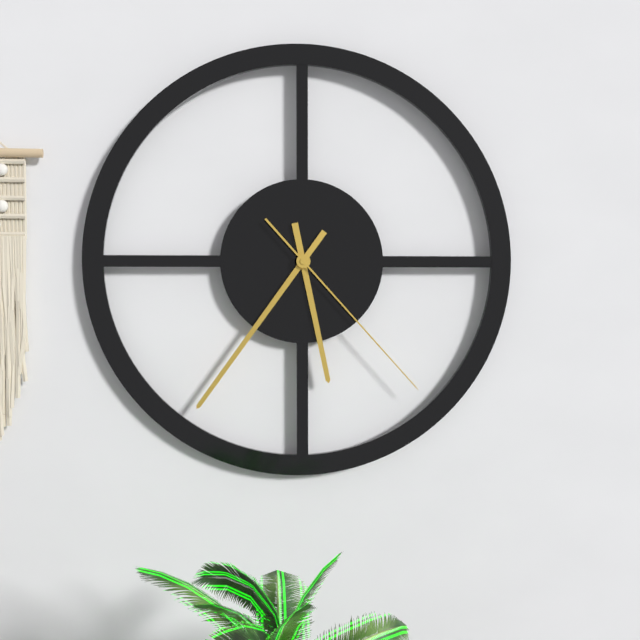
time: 5:36:23
